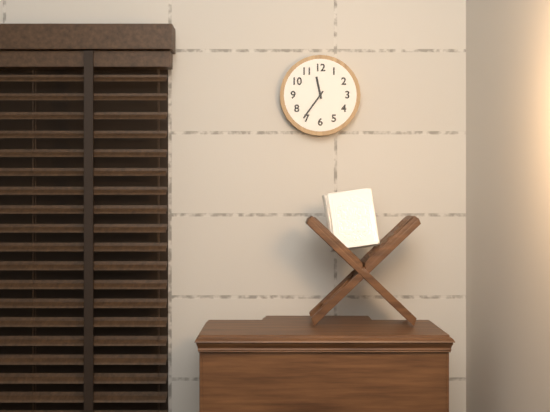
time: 11:36
